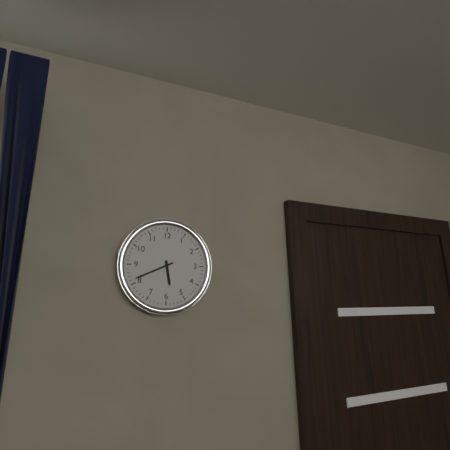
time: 5:41
